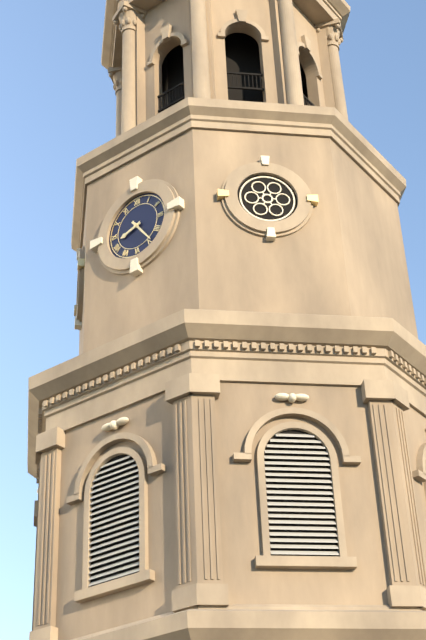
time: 8:24
